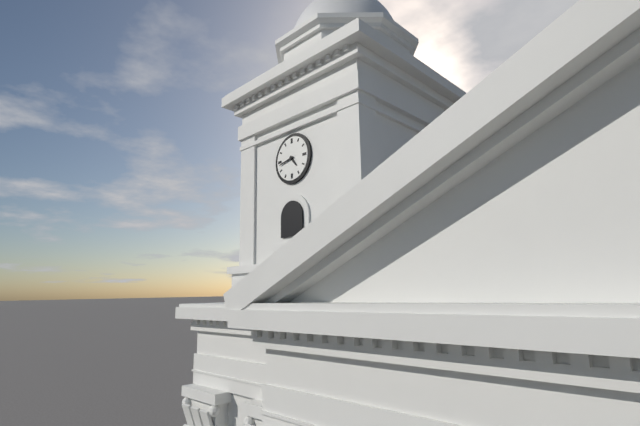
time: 4:43
